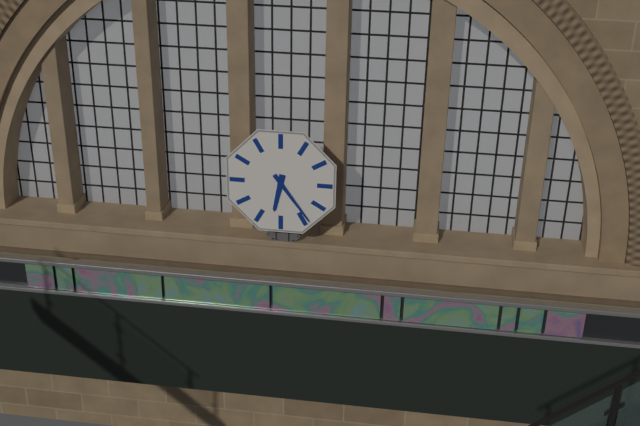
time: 6:24
